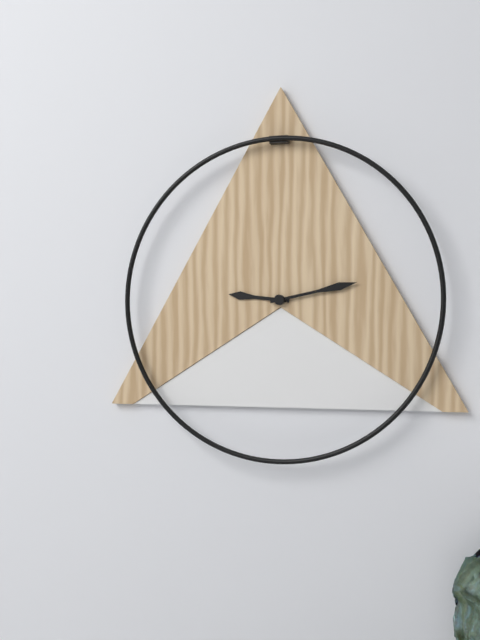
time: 9:13
